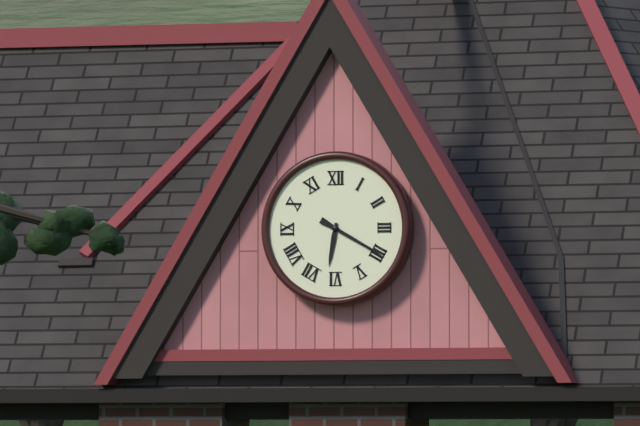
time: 6:20
